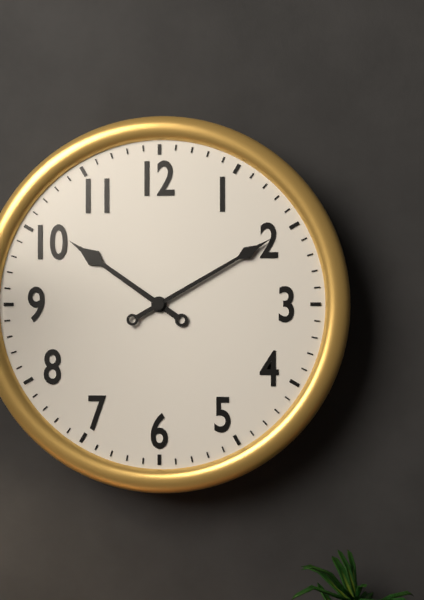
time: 10:10
